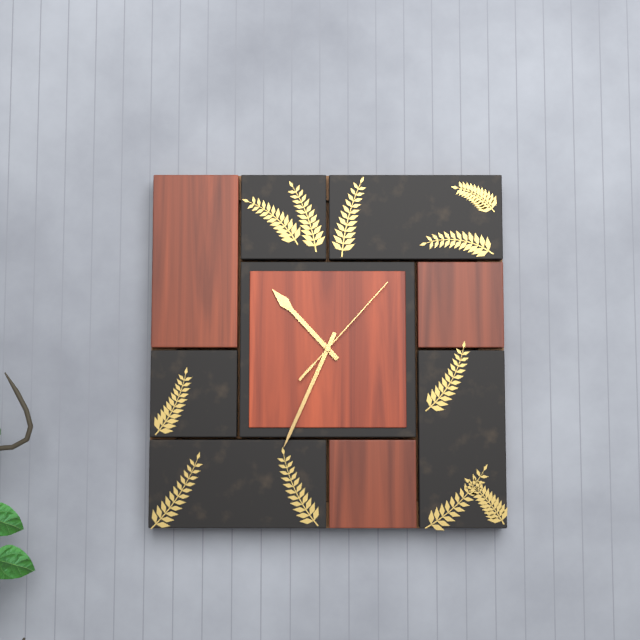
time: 10:34:07
